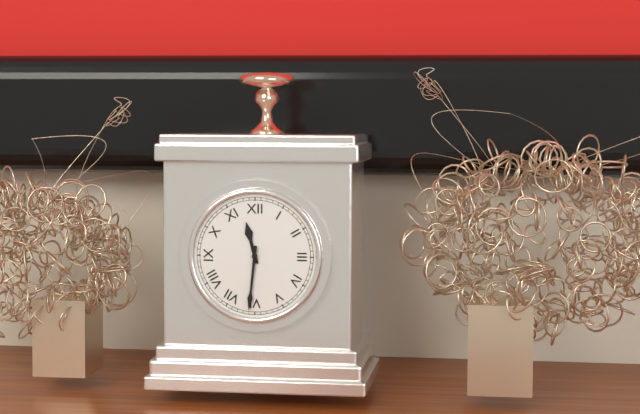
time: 11:31
